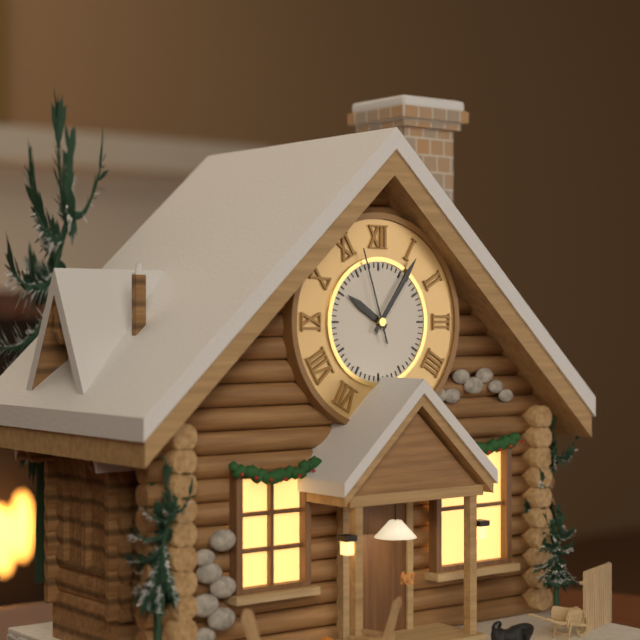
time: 10:06:57
